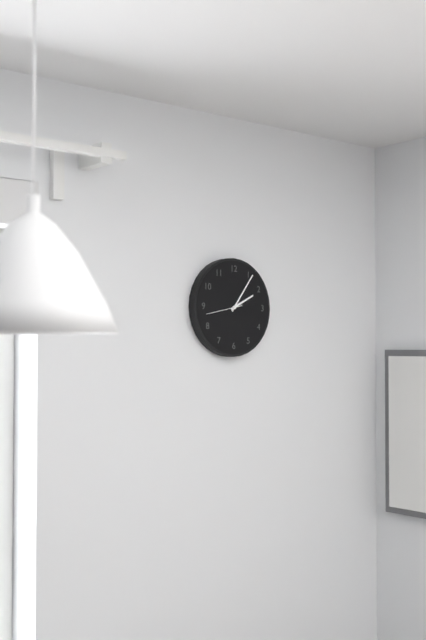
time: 2:06
